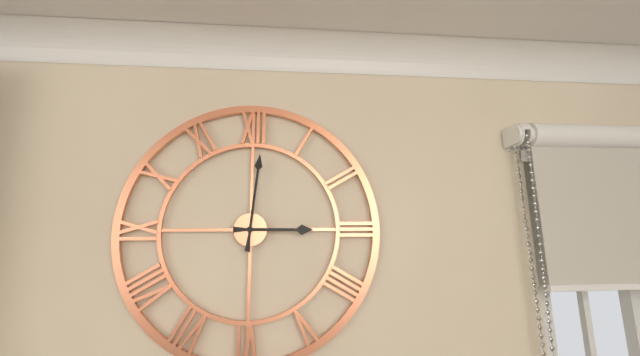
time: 3:01
